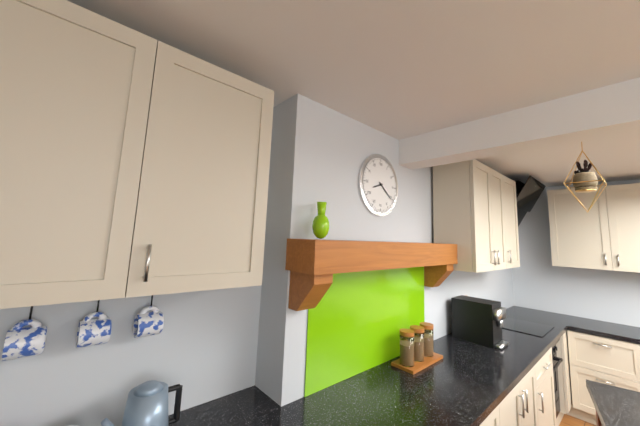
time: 8:21
